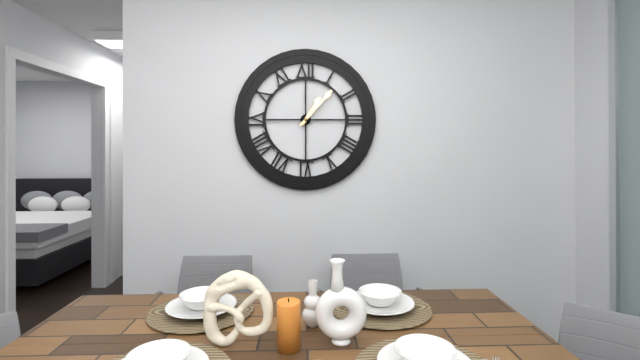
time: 1:07
